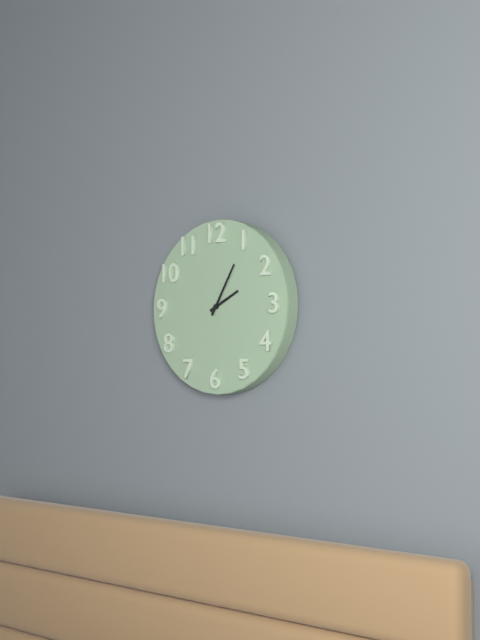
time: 2:05
